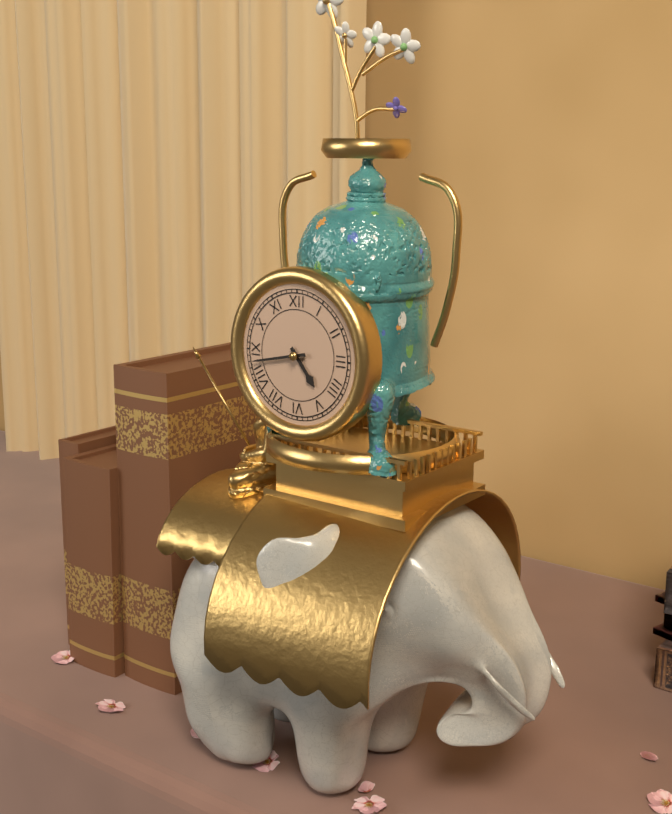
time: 4:43
